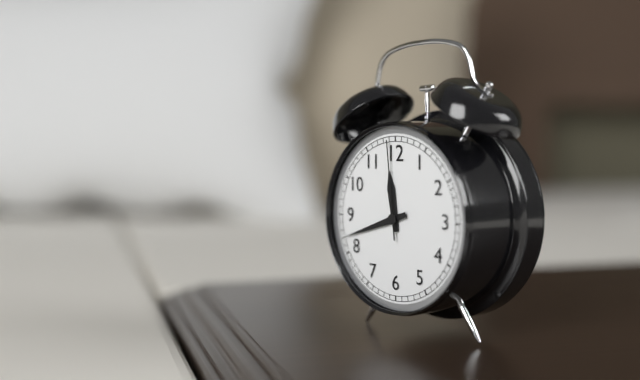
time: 11:42:59
